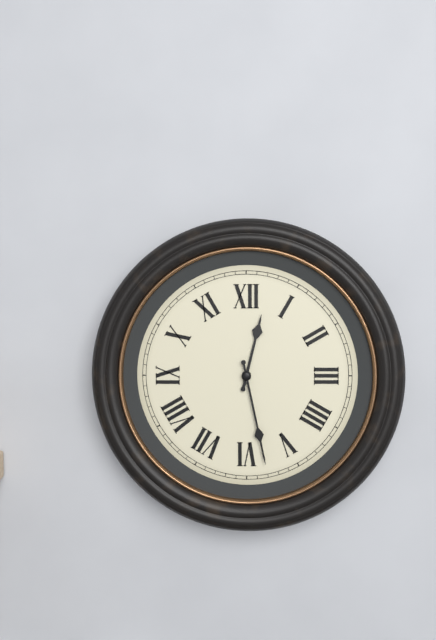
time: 12:28
